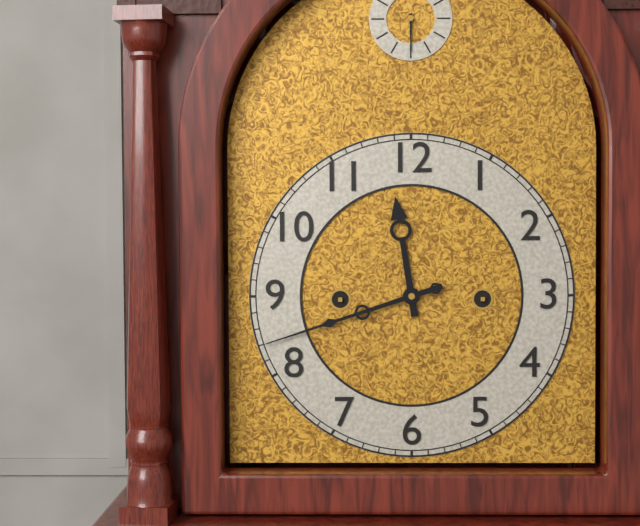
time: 11:42
